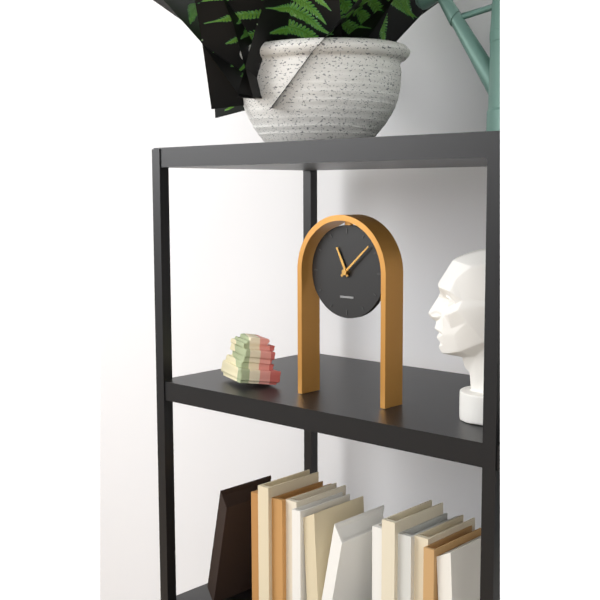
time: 11:08
